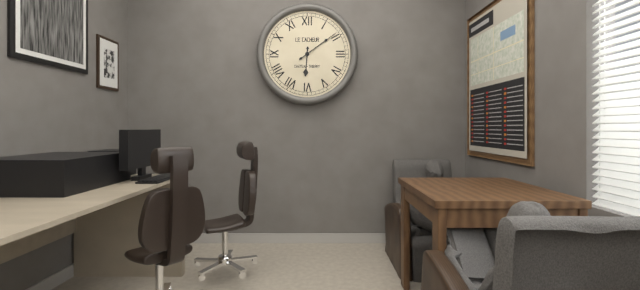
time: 6:09
